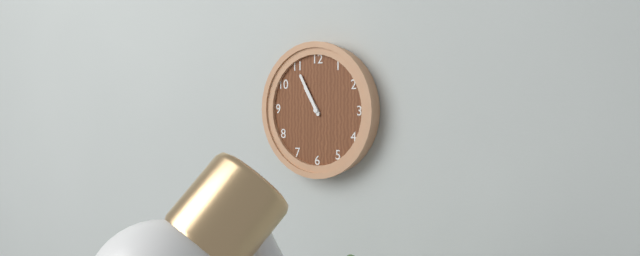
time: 10:55
